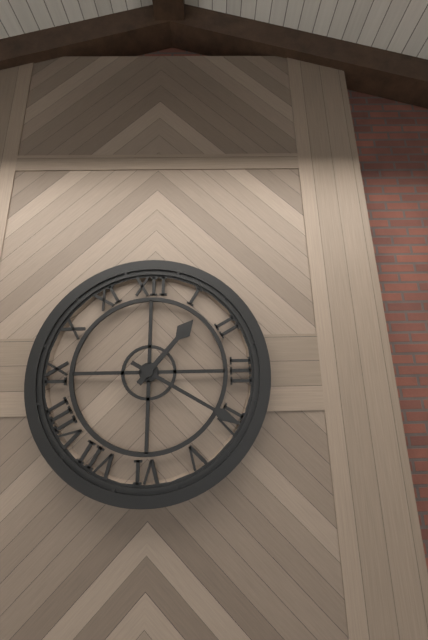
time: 1:20
